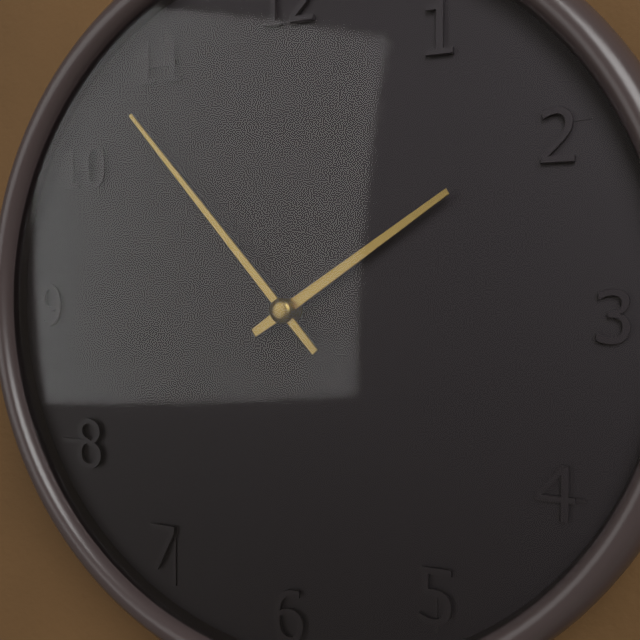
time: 1:53
